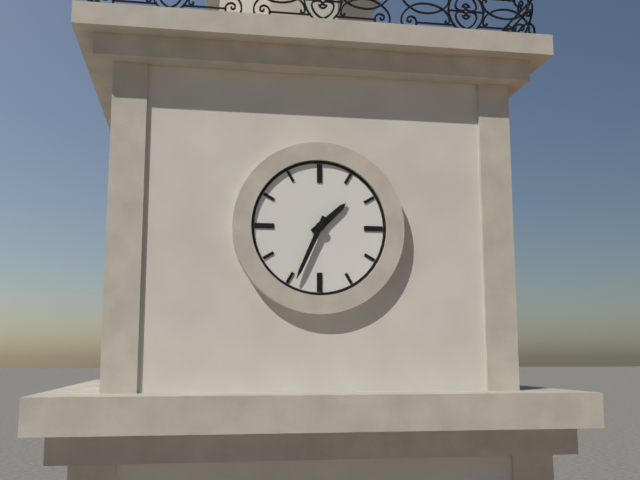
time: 1:34
